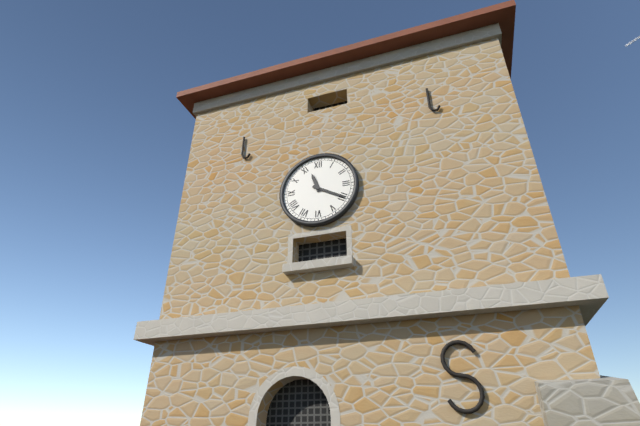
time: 11:20
